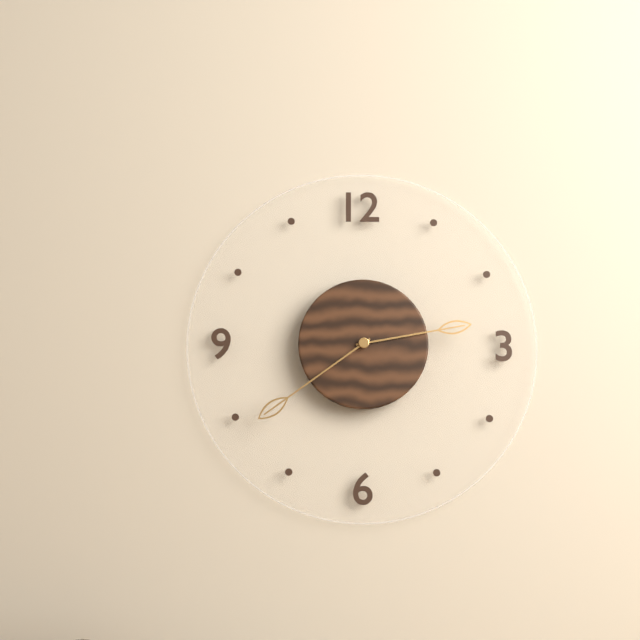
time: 2:39
